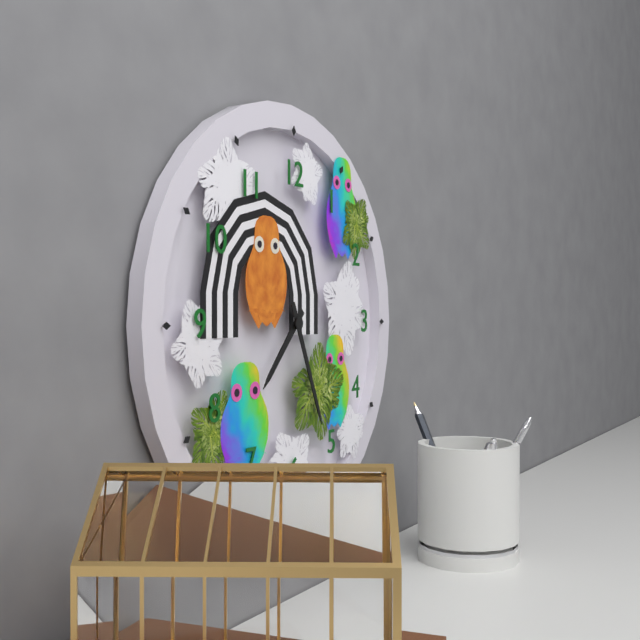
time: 7:26
